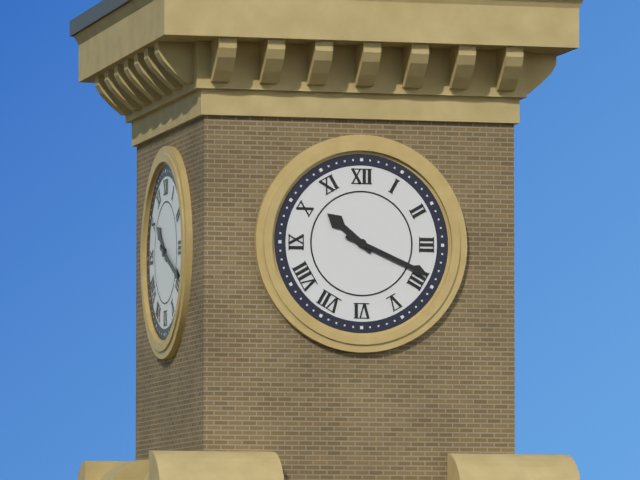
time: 10:19
